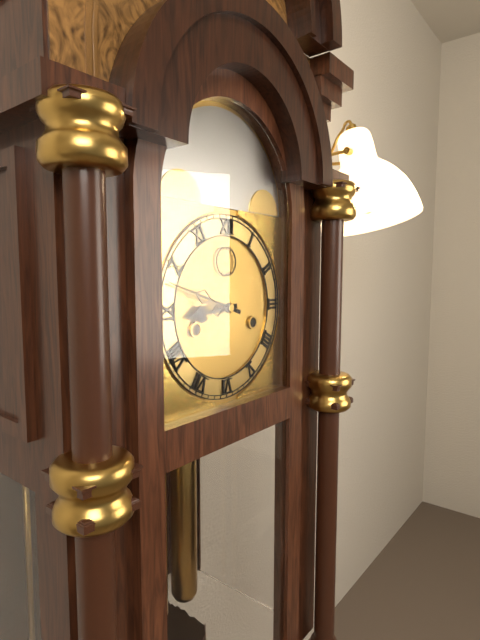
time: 8:48
